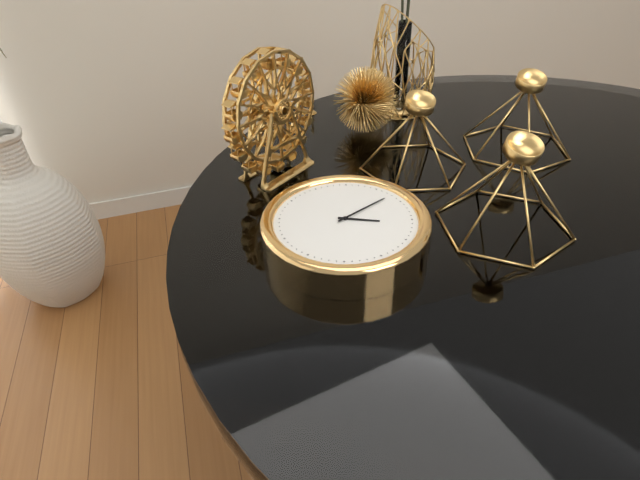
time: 4:13
